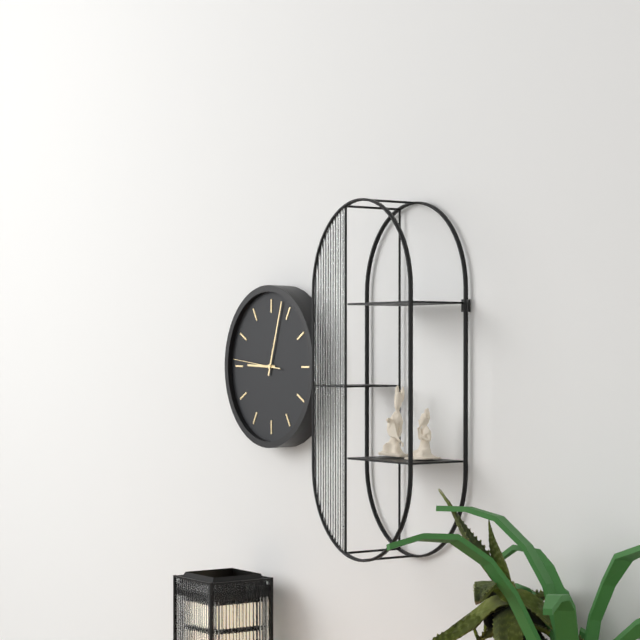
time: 9:03
